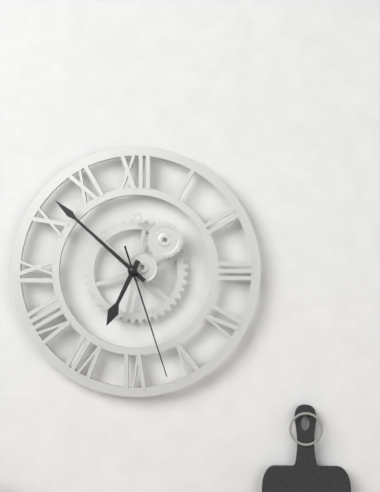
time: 6:52:27
